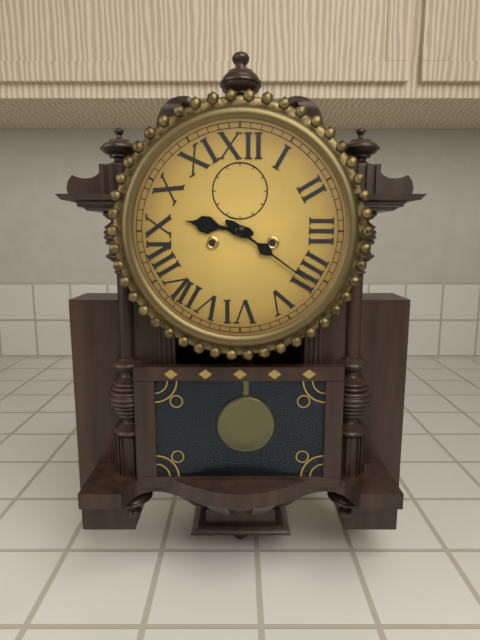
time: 9:21
